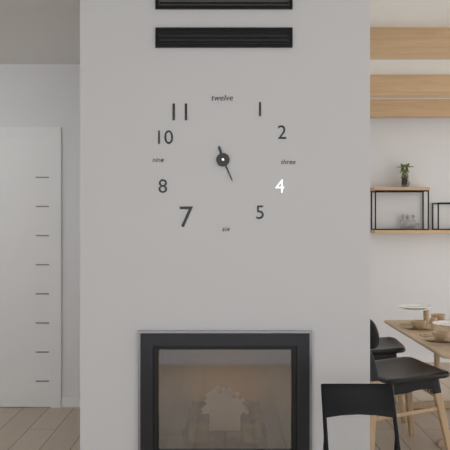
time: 11:26
